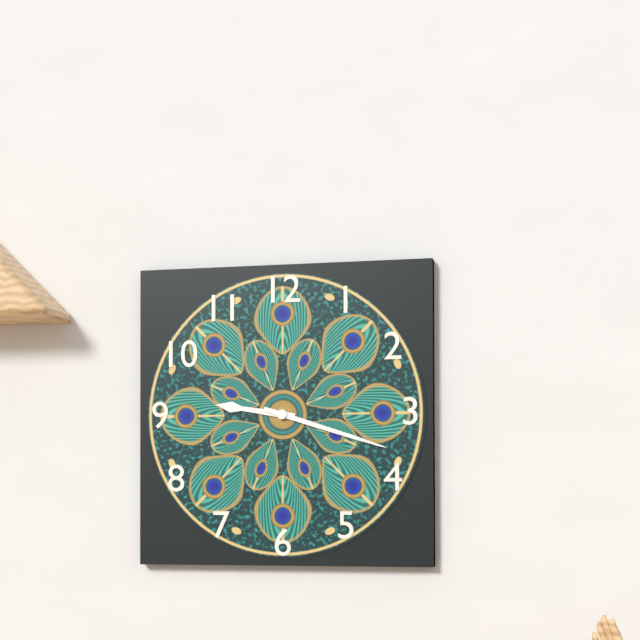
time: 9:18
